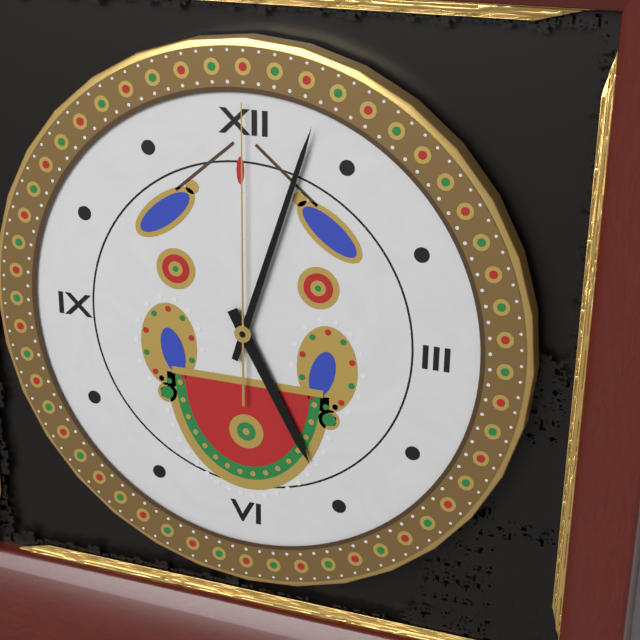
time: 5:03:00
